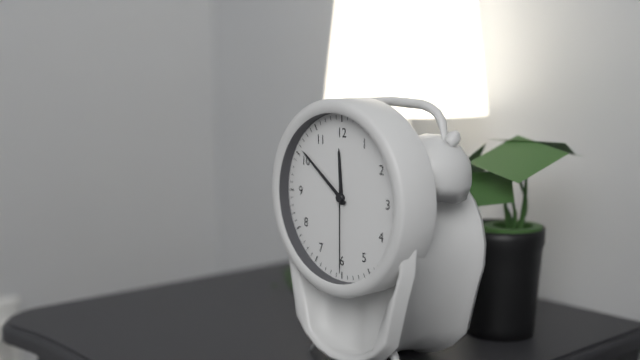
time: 11:51:30
